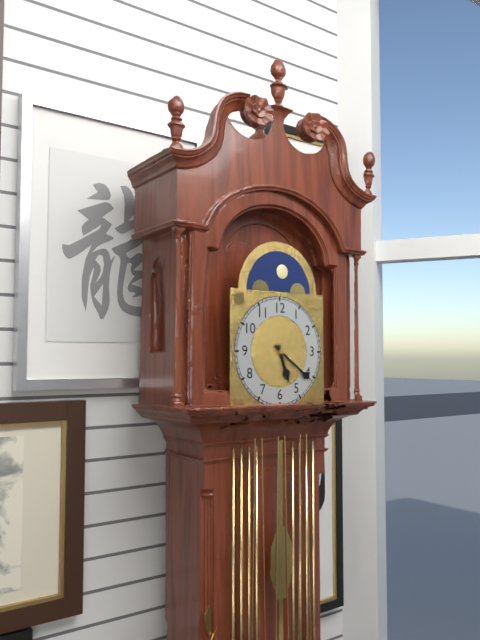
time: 5:21
